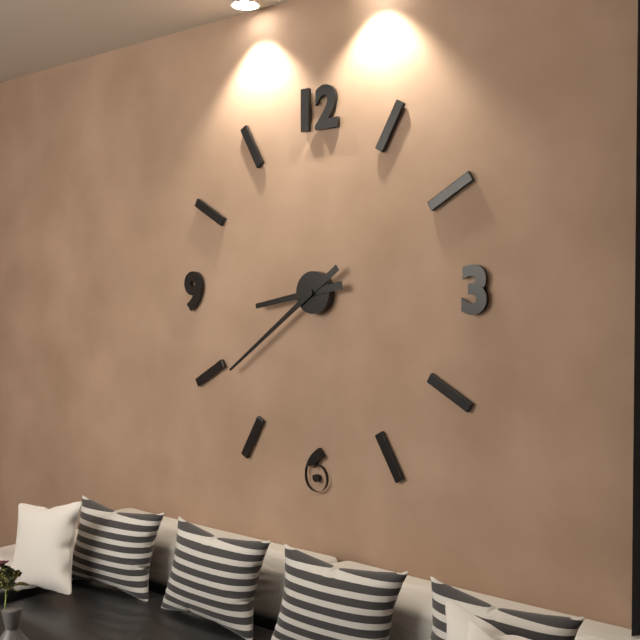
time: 8:39
